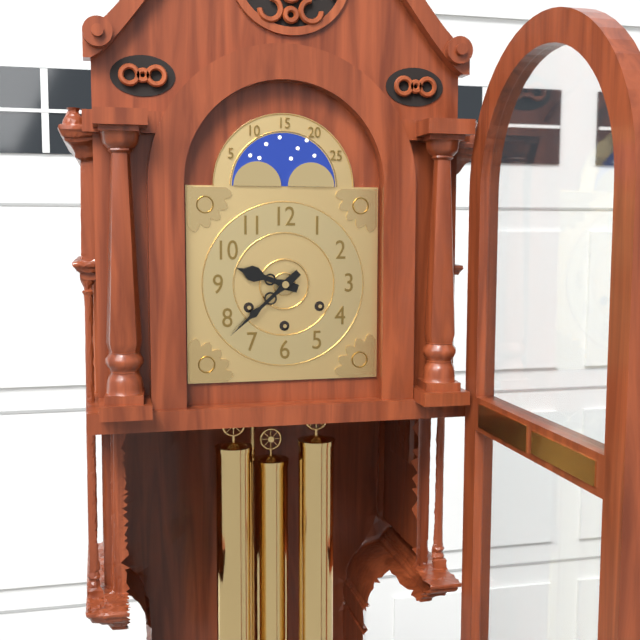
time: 9:38
